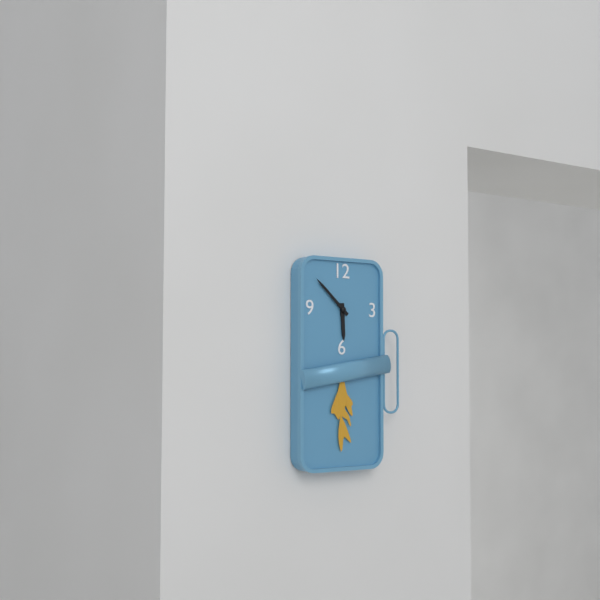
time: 5:52
